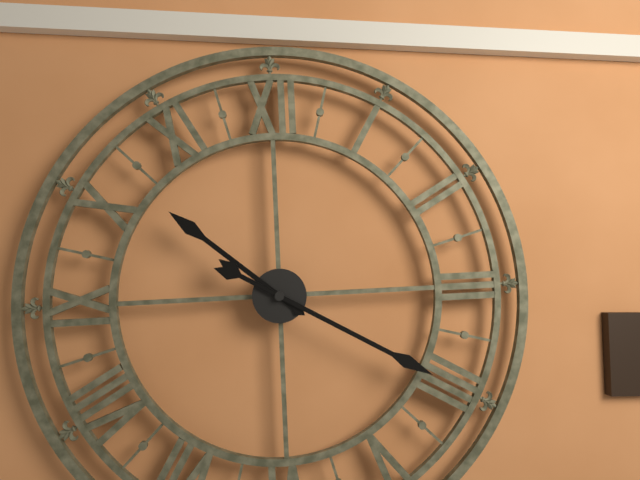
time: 10:20
